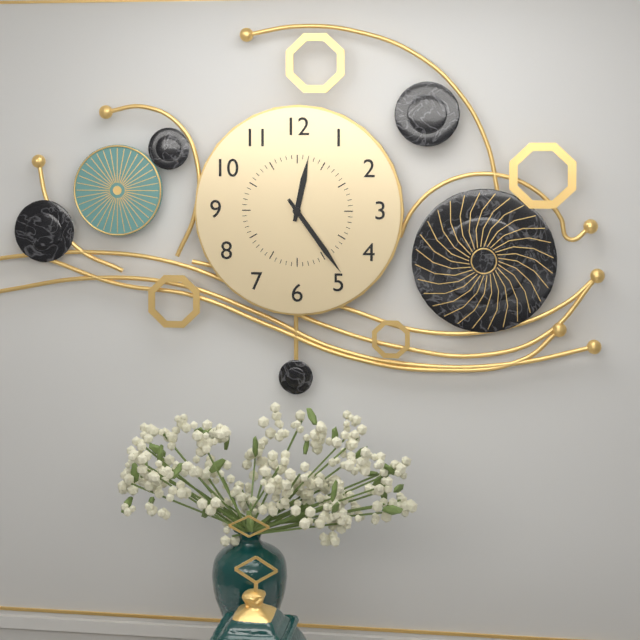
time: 12:24
